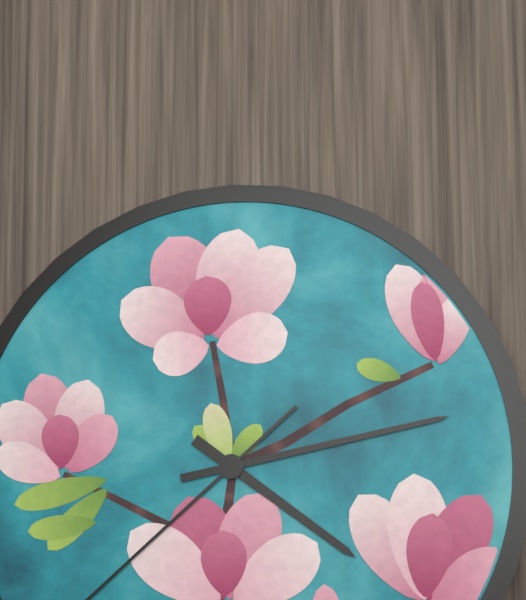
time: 4:13
